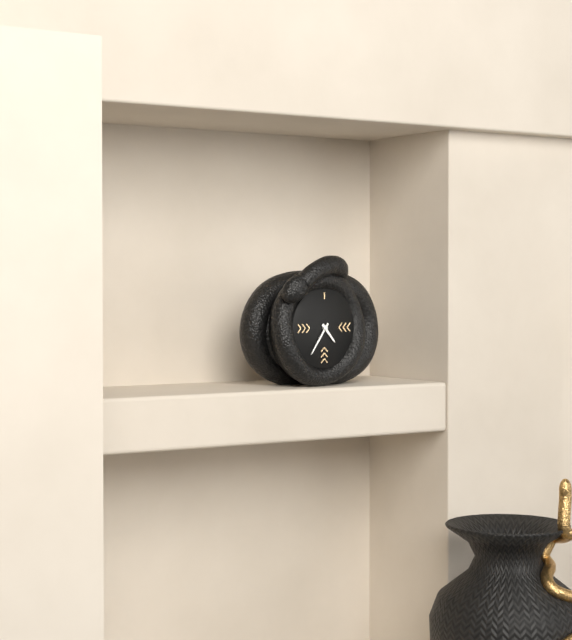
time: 4:36
